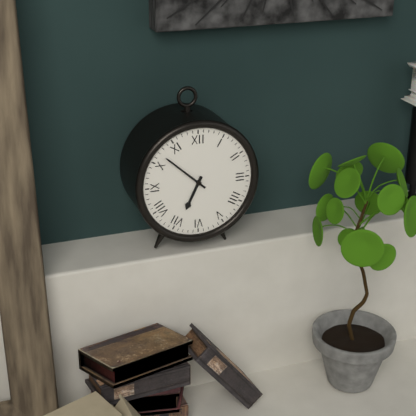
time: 6:52
